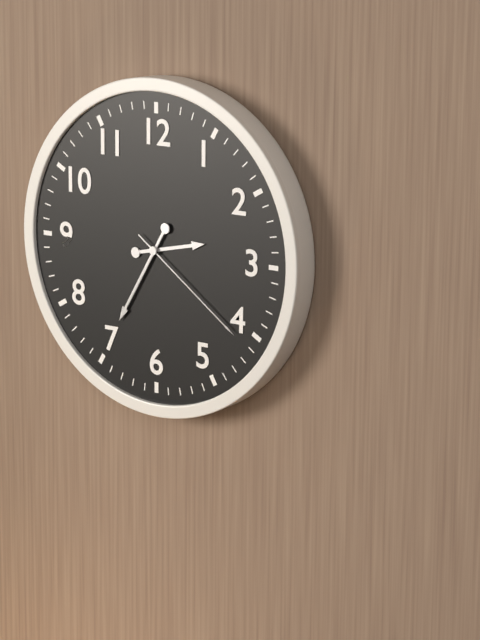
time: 2:35:21
